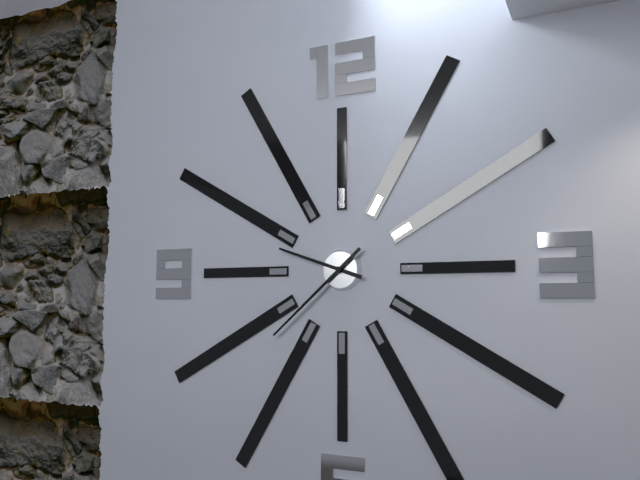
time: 9:38
